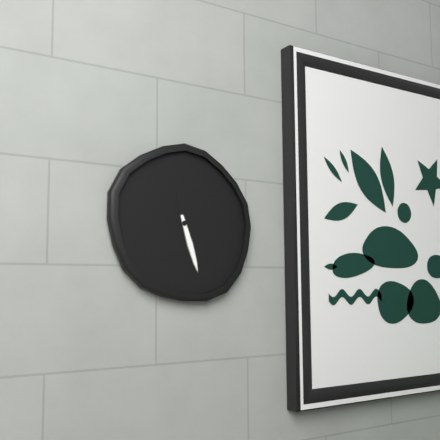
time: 11:27
